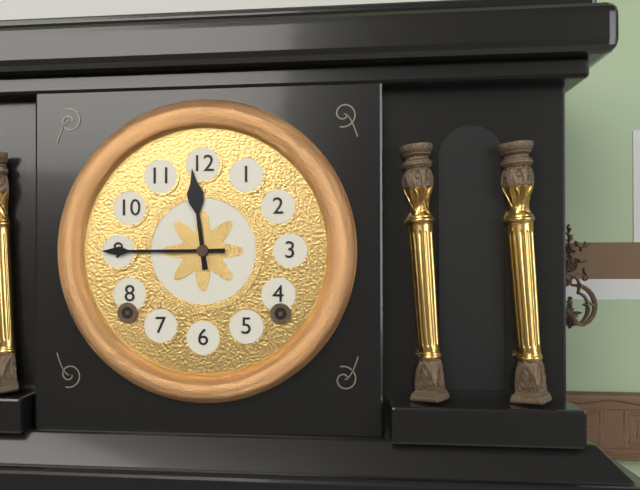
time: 11:45
